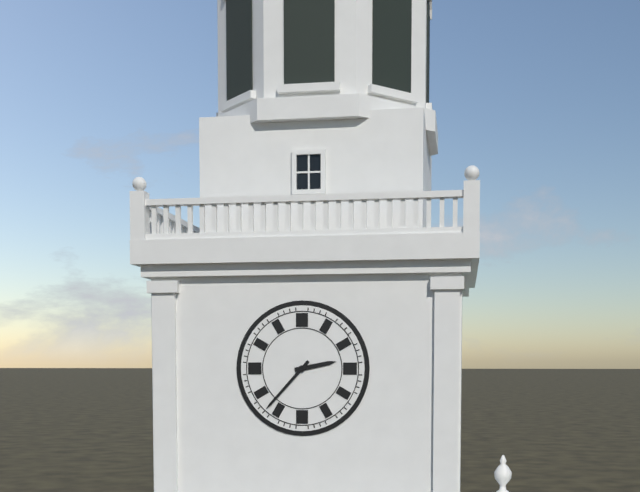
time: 2:37
